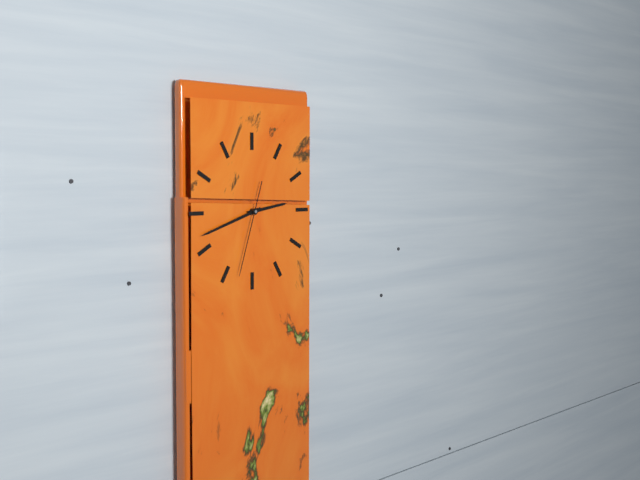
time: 2:42:33
